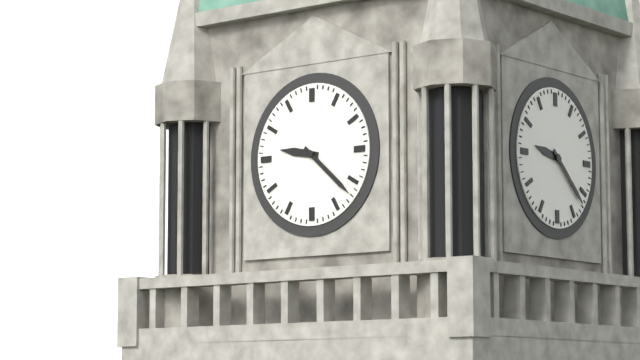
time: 9:22
